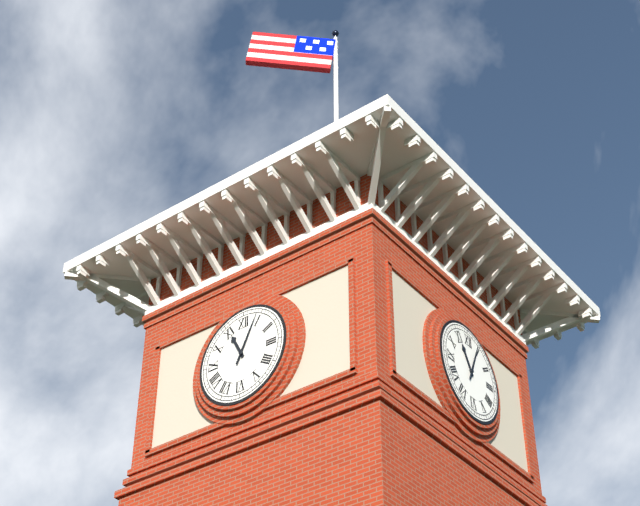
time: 11:04
